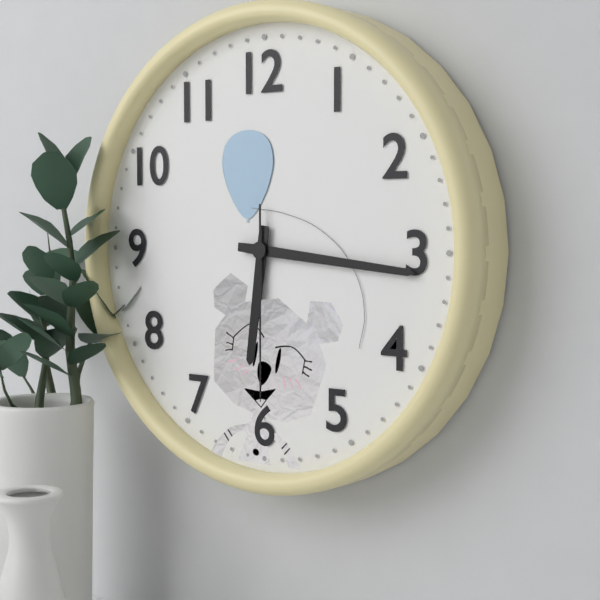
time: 6:16:30
